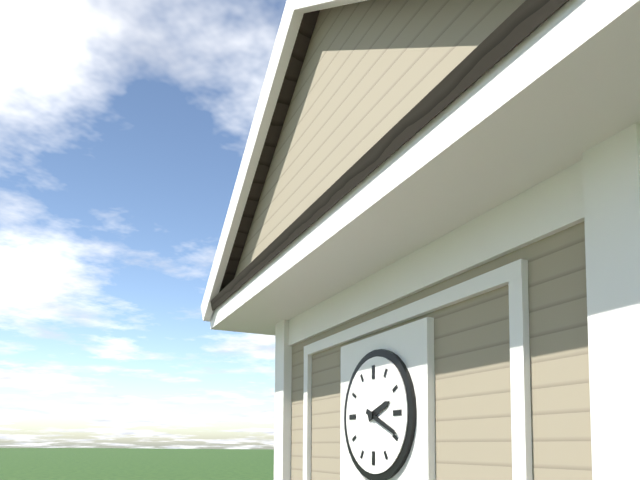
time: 2:19
